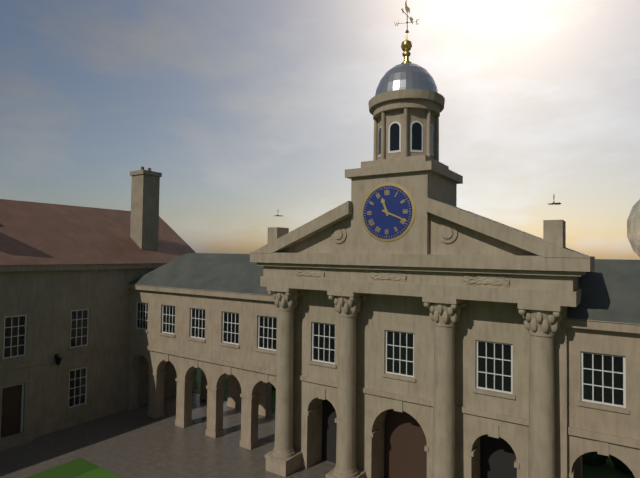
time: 11:19
